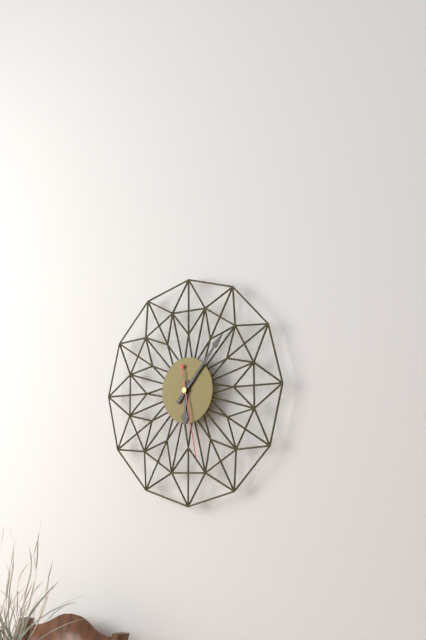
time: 6:07:28
